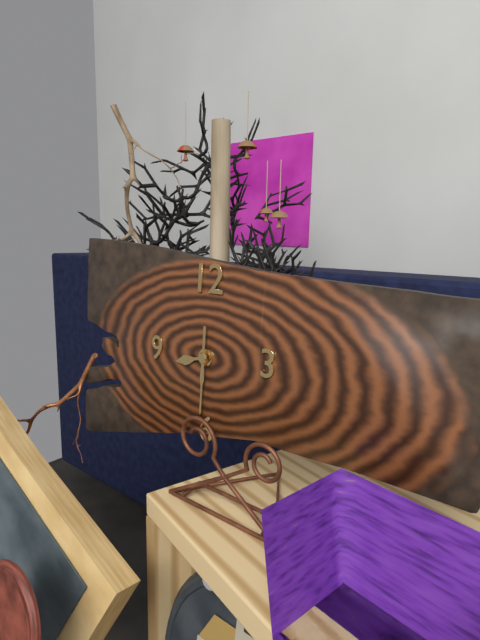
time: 8:30
